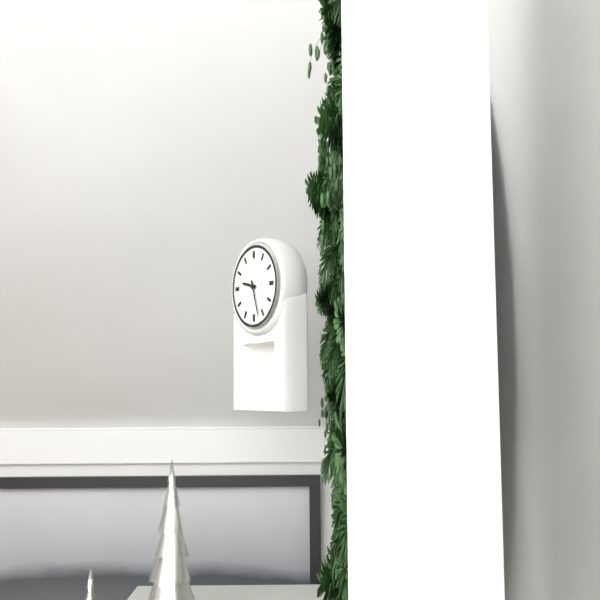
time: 9:27
